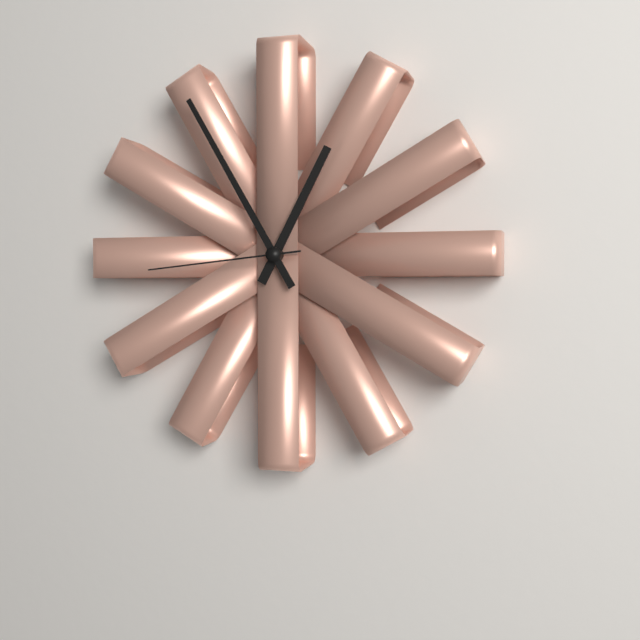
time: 12:55:44
